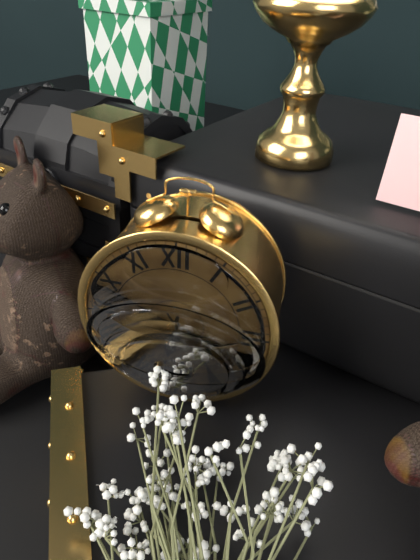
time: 6:25
